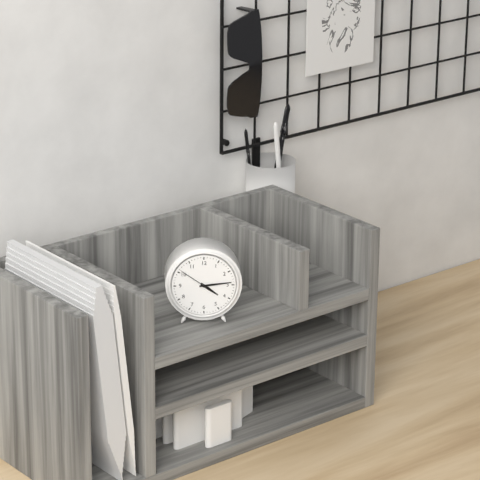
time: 4:14
